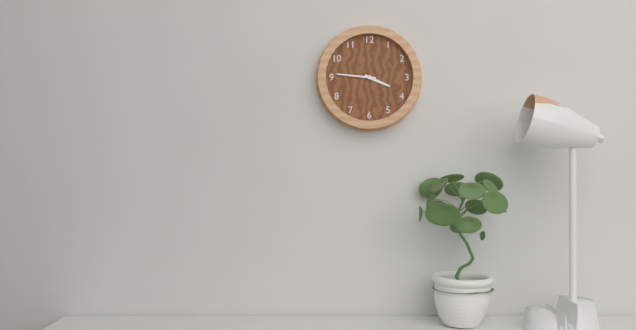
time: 3:46
